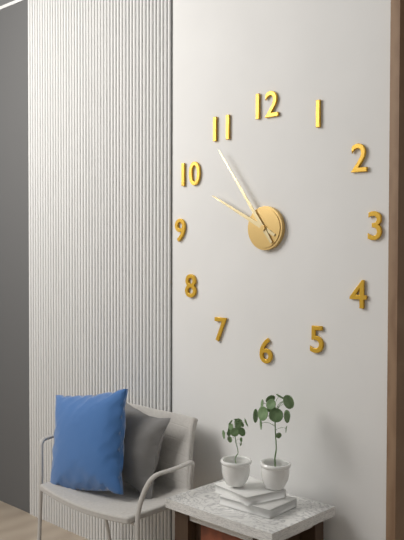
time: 9:54
